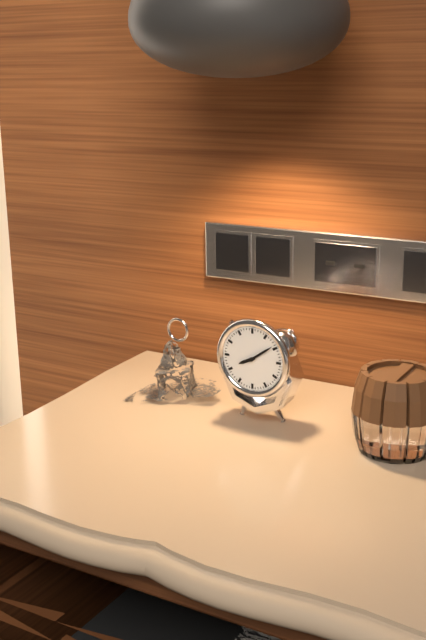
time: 8:09
